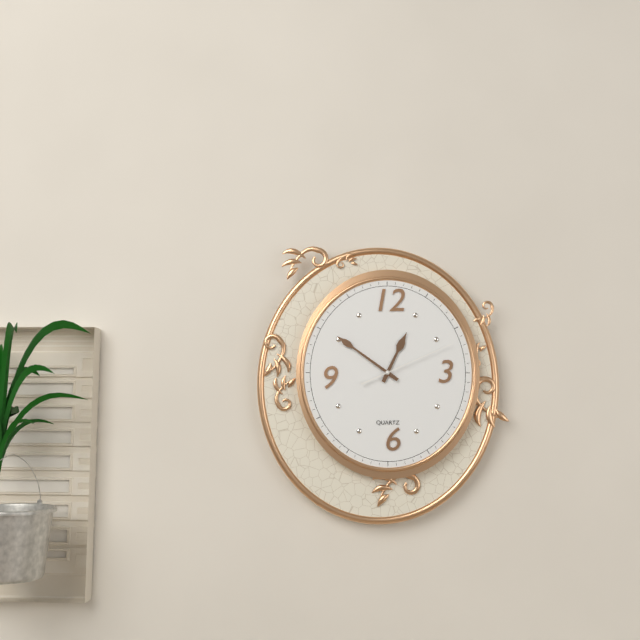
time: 12:51:11
